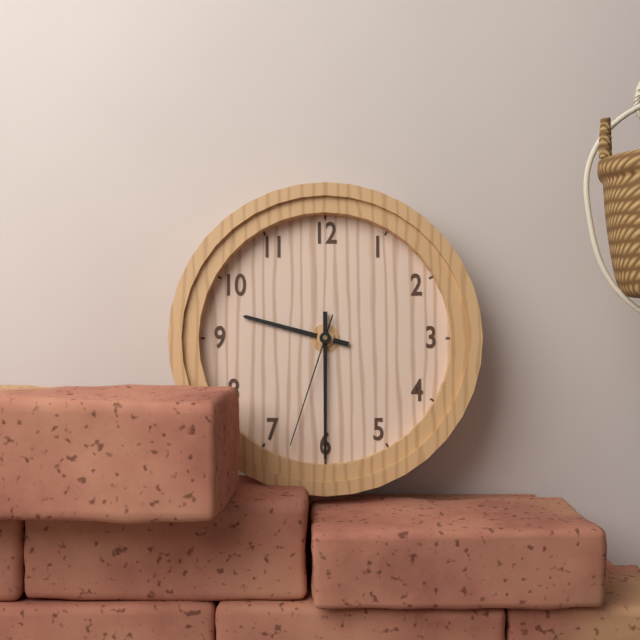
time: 9:30:33
